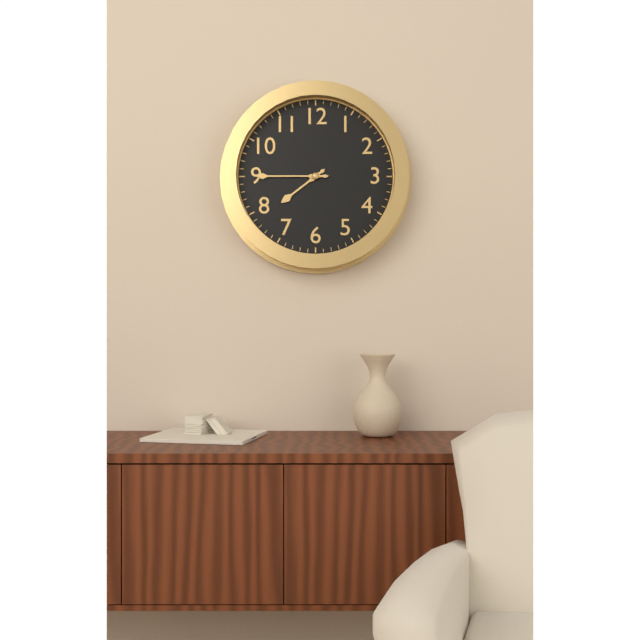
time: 7:45
